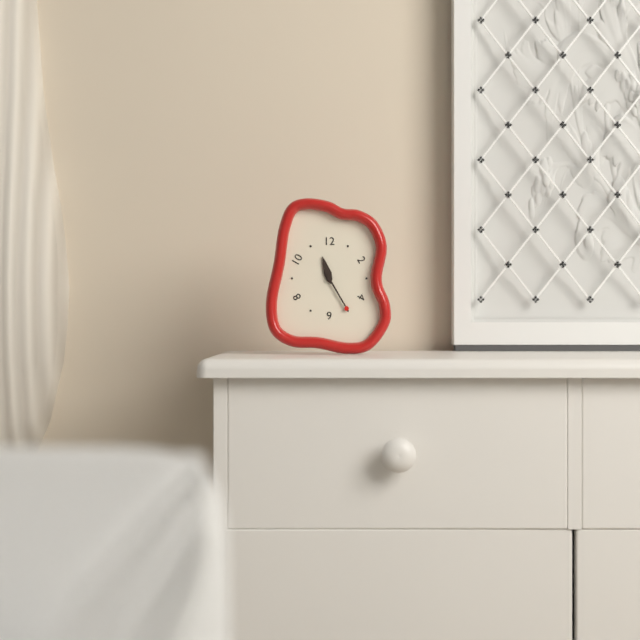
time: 11:25
